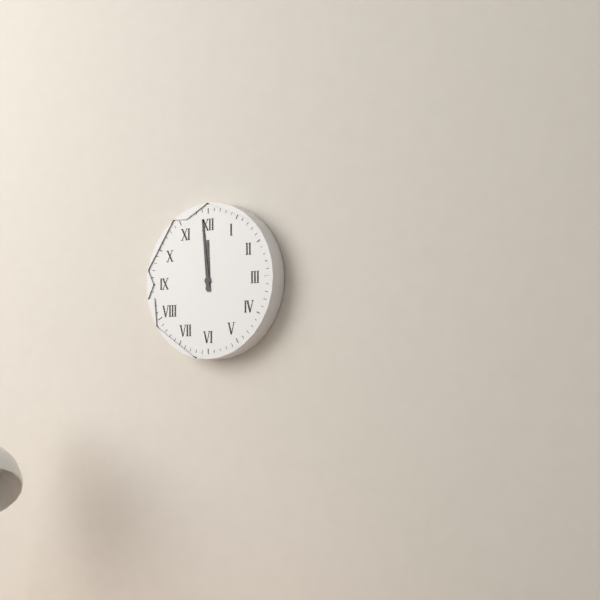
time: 11:59
